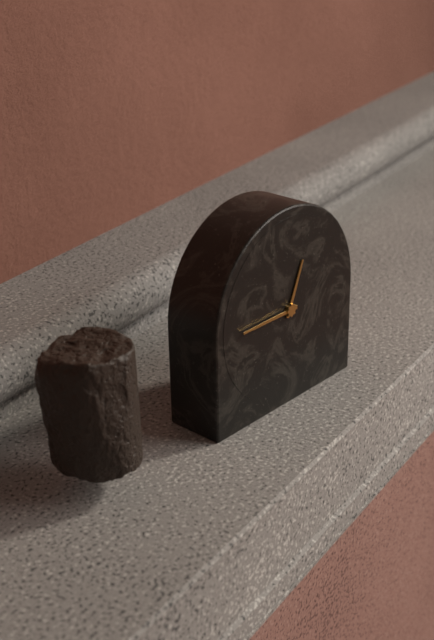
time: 12:45
